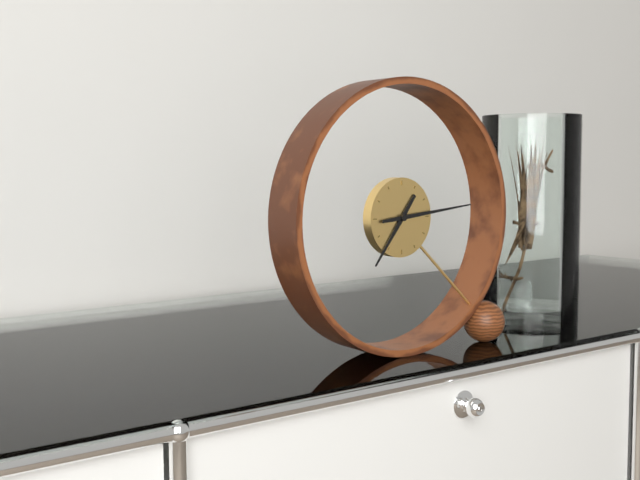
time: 7:14
